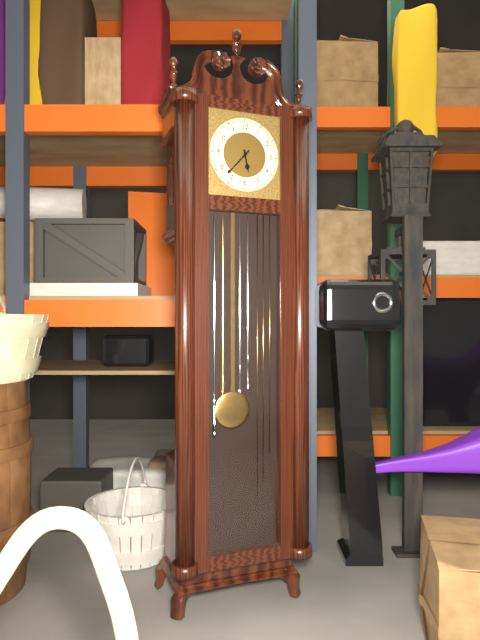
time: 5:37
